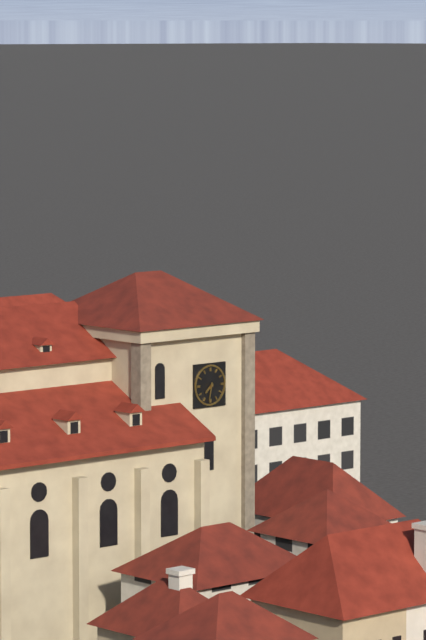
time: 7:32
